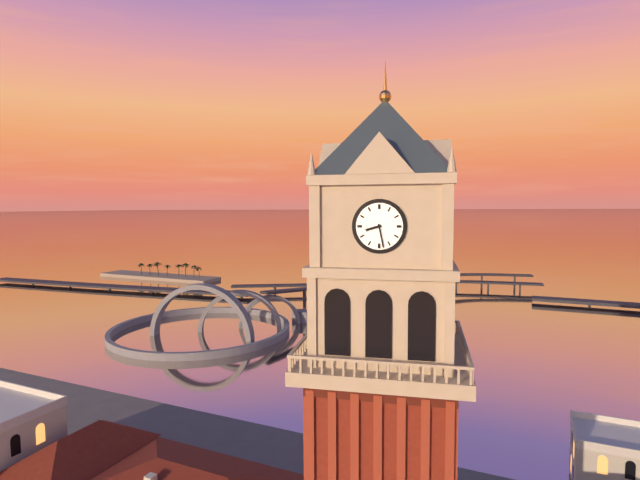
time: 8:28
